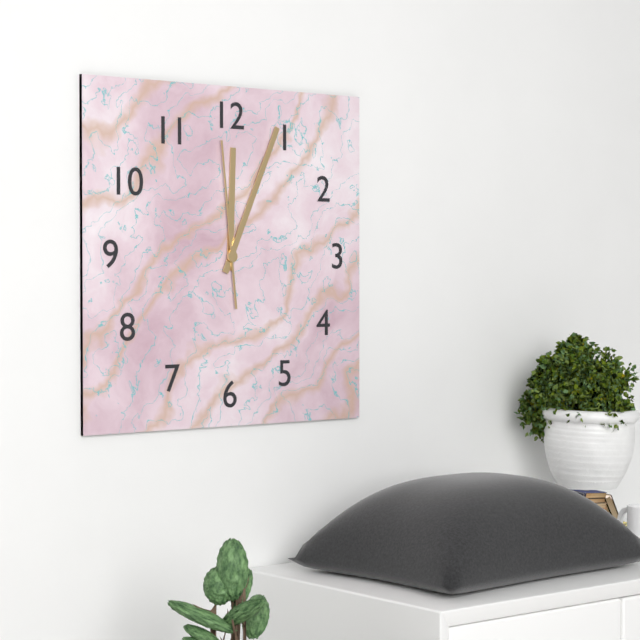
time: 12:04:59
